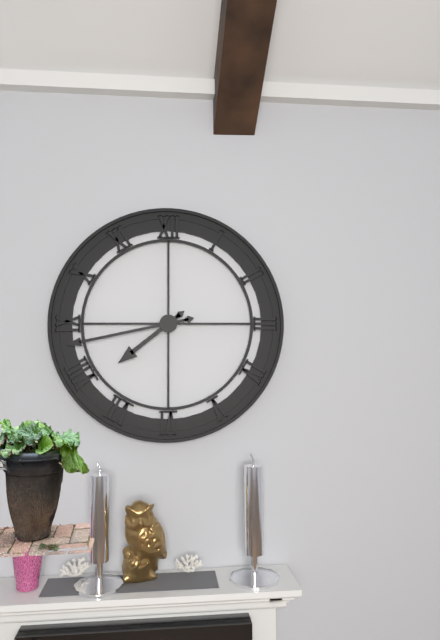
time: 7:43
